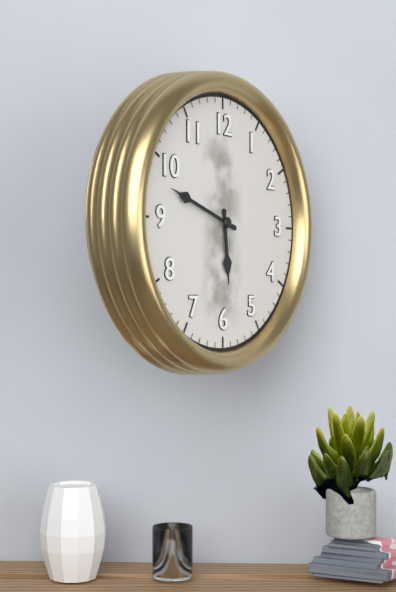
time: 5:48
